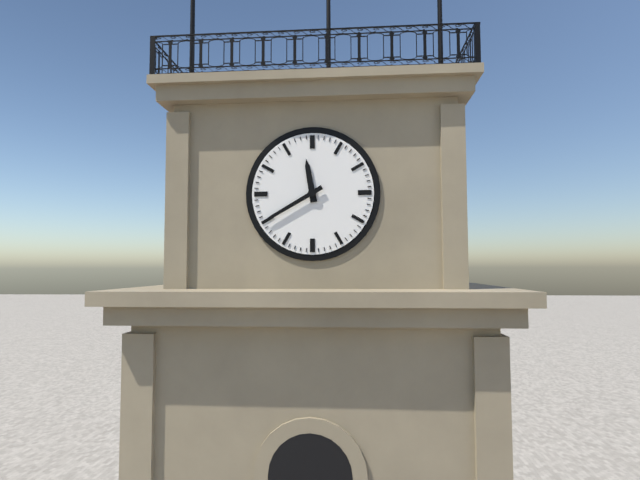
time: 11:40
